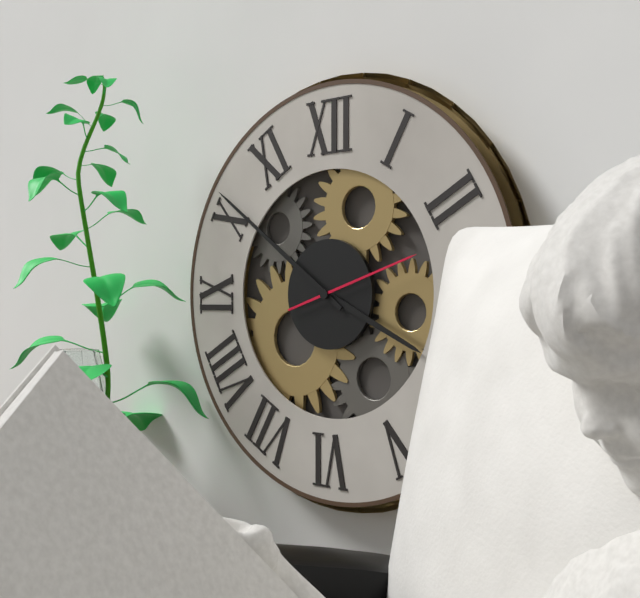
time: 3:51:12
